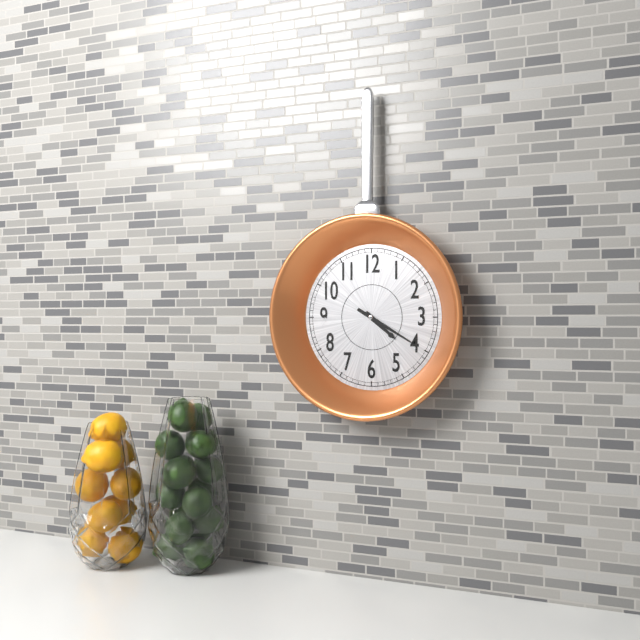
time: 4:20
